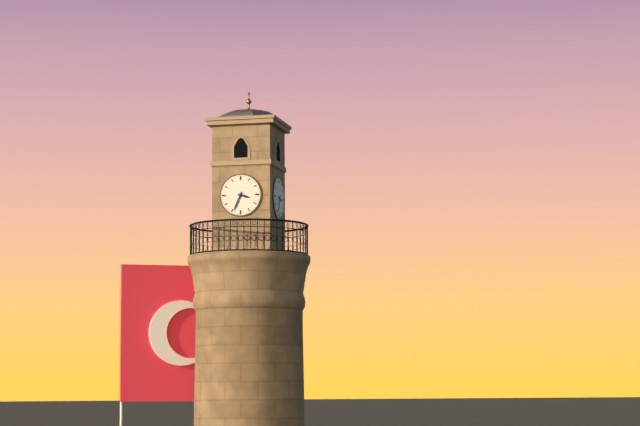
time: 3:34
